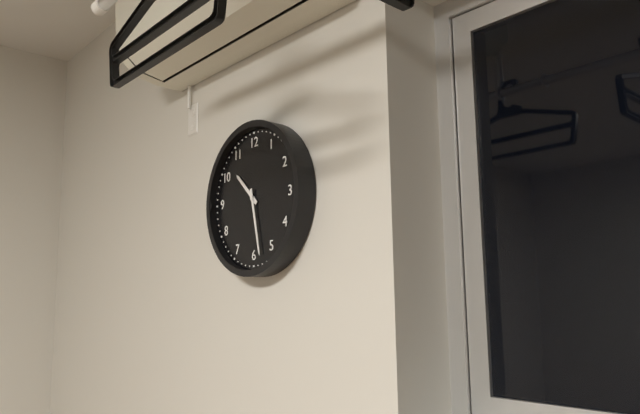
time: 10:28
